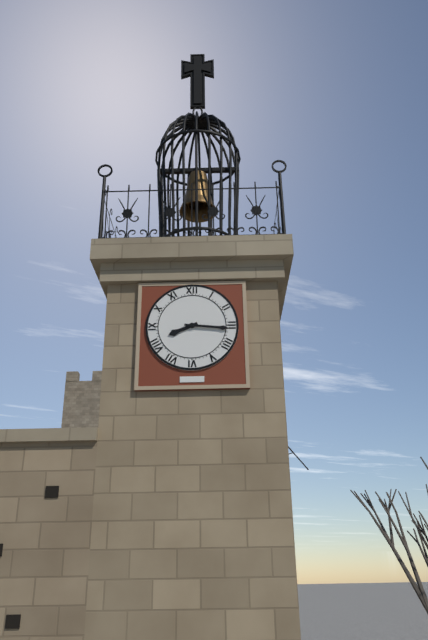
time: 8:16
